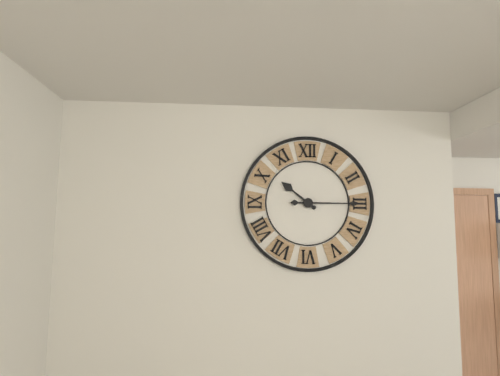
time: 10:15
